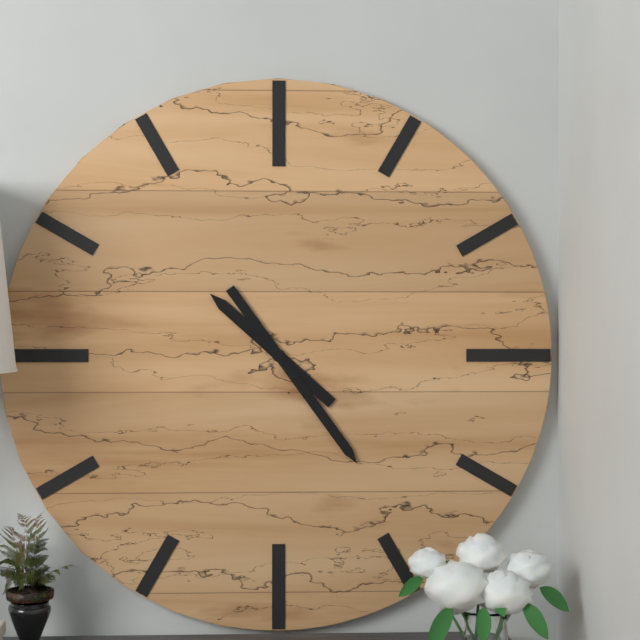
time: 10:24
